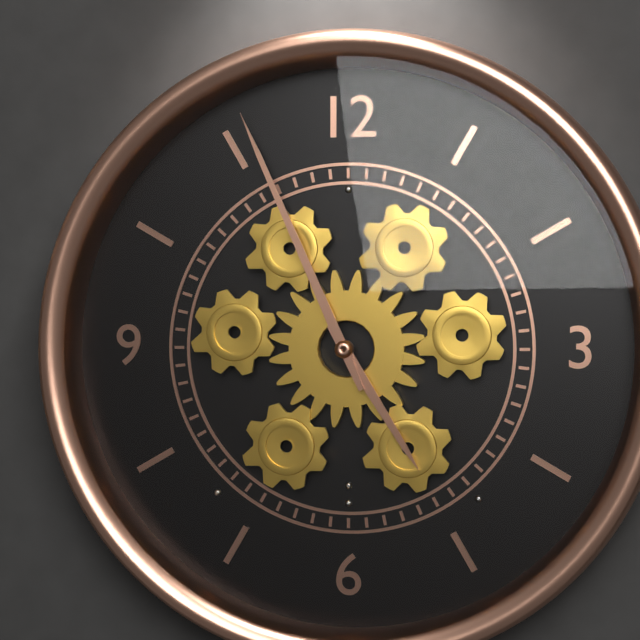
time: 4:56
